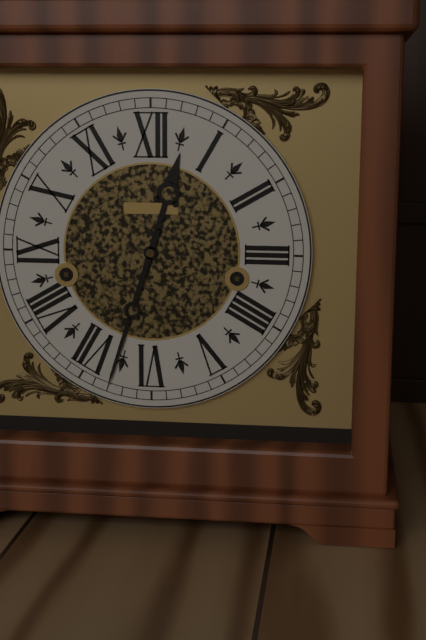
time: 12:33
